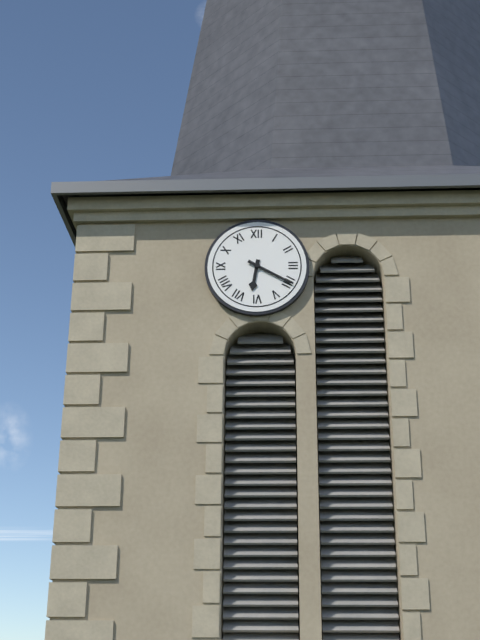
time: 6:20
